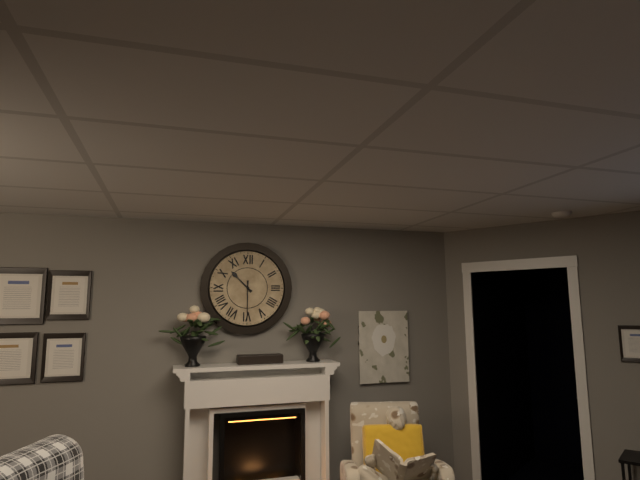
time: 10:30
